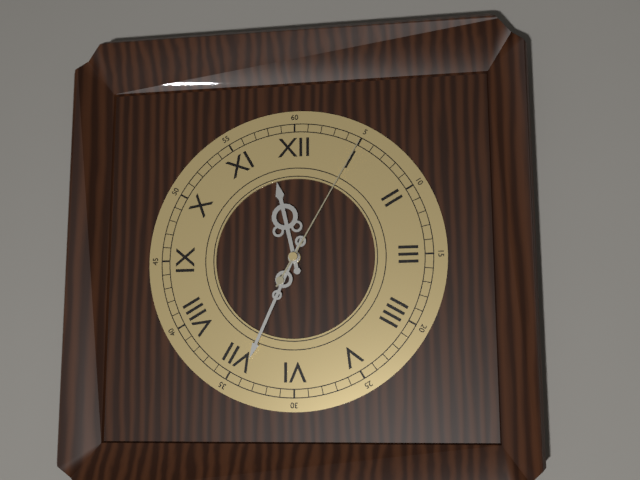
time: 11:34:05
